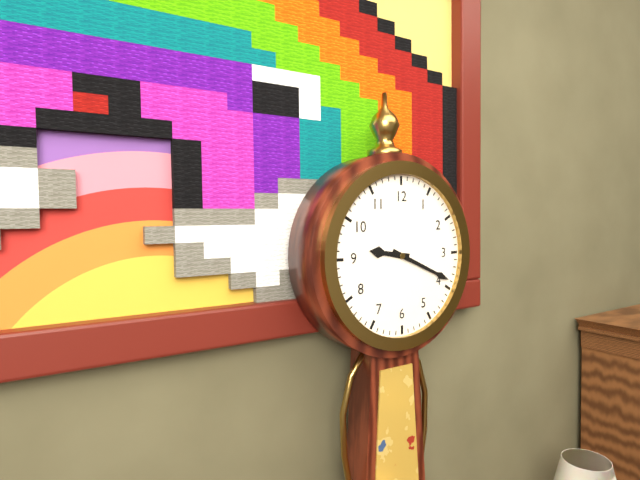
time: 9:19
